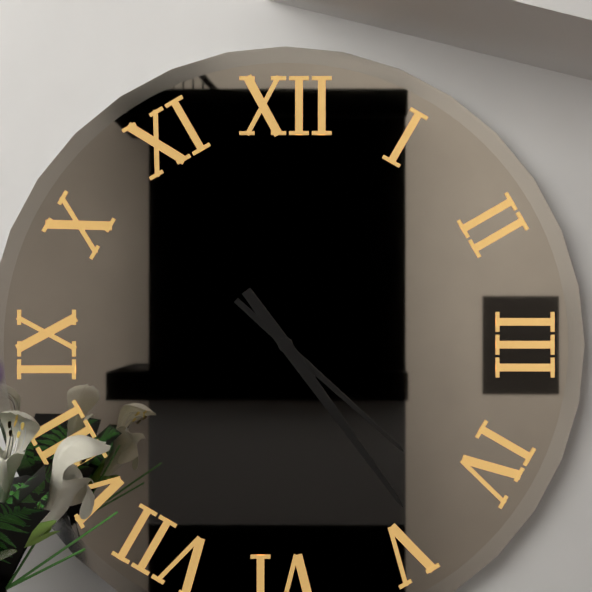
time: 4:24
